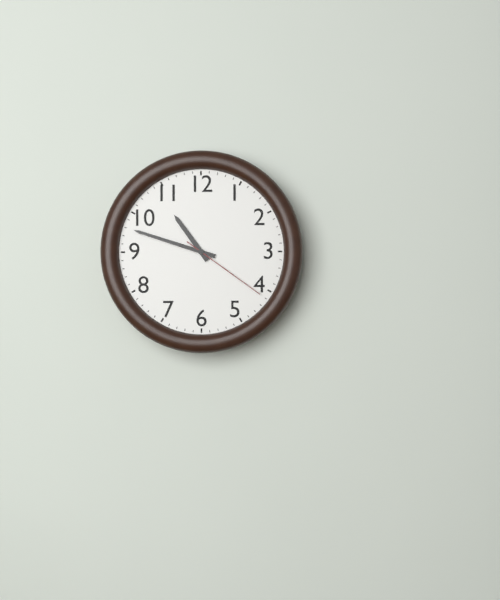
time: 10:48:21
